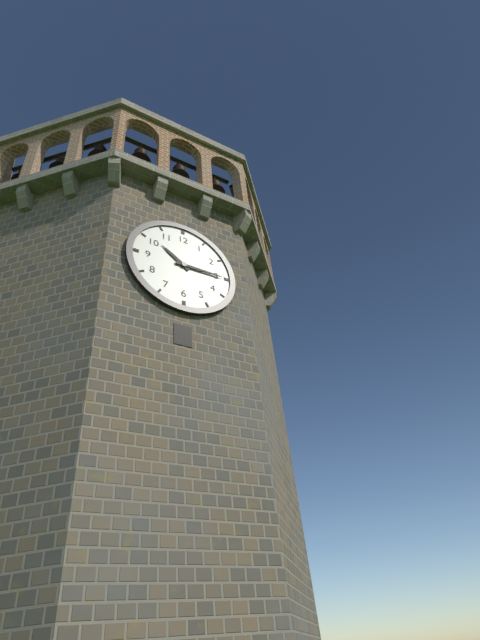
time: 10:15
